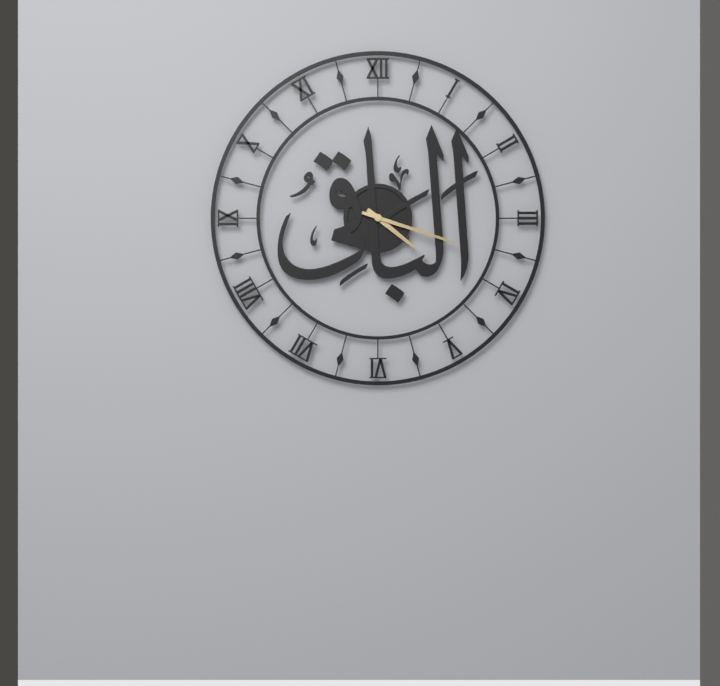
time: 4:18
